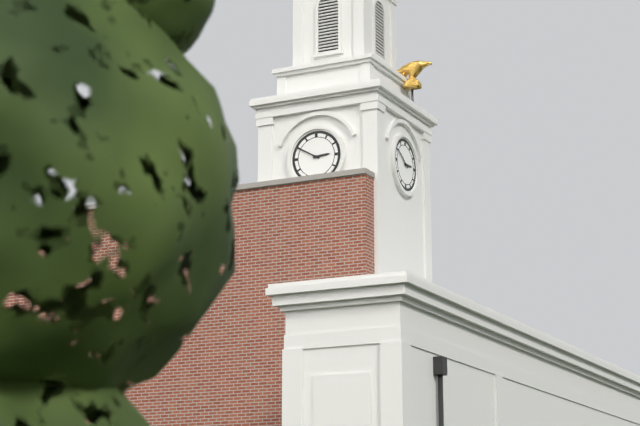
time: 2:50
